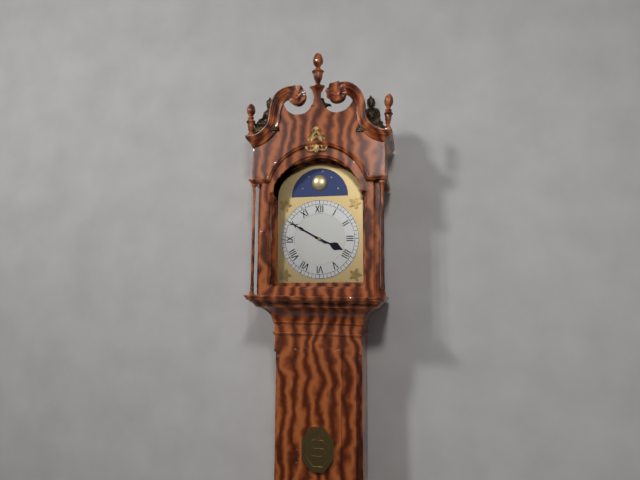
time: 3:50
